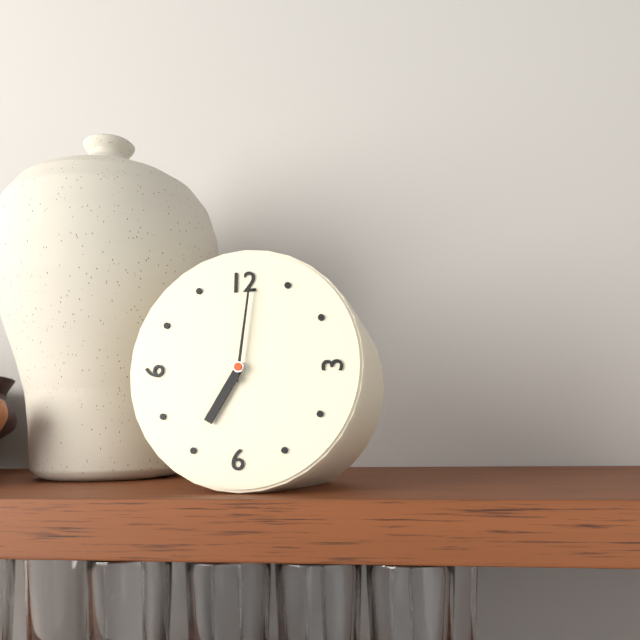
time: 7:01
